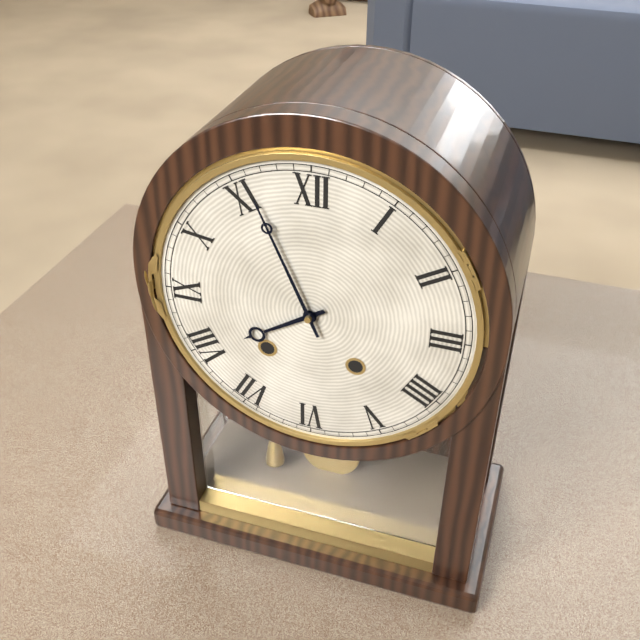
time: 7:56
